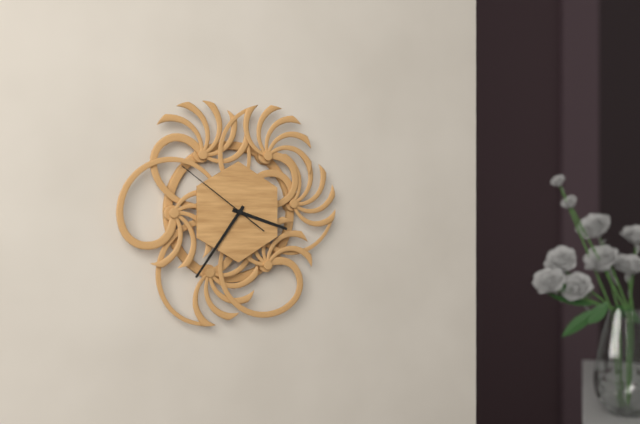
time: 3:36:51
